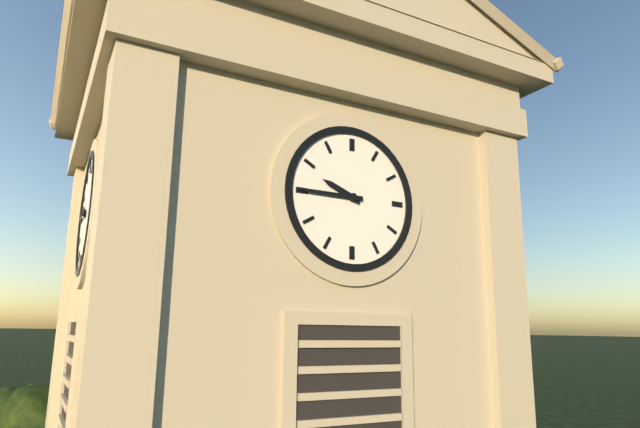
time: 9:45
